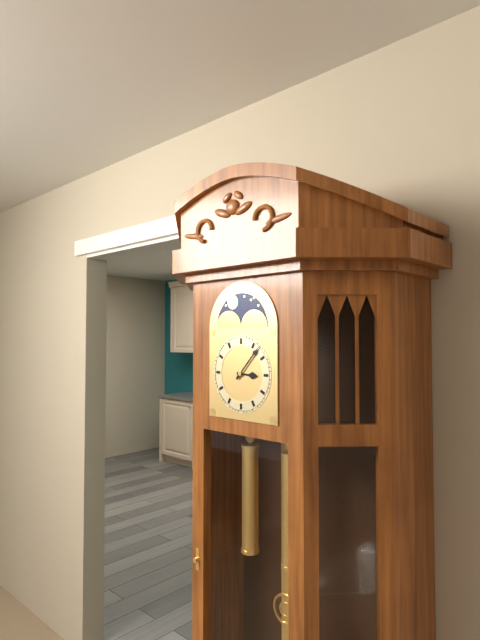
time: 3:07
